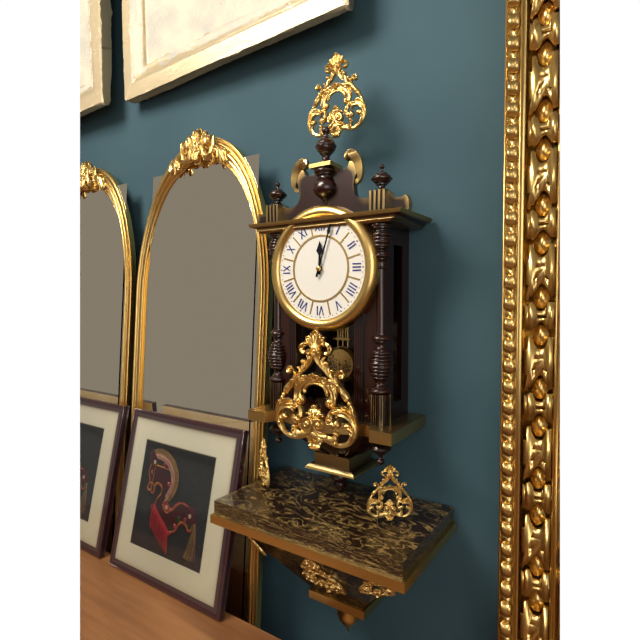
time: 12:03
